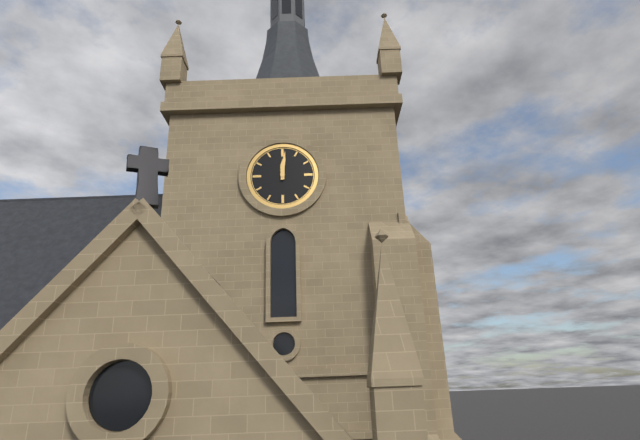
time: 12:01
